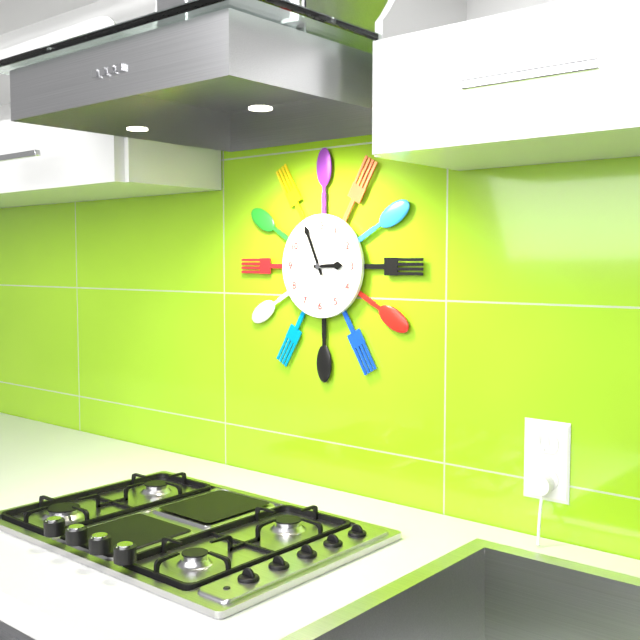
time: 2:56
